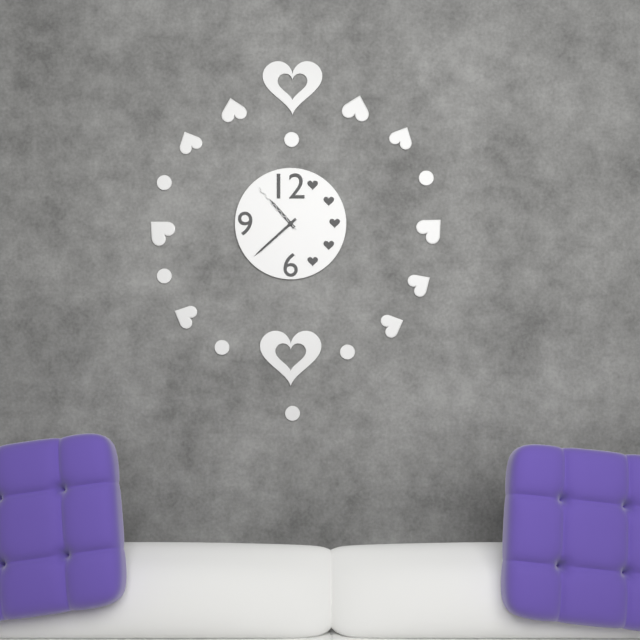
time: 10:38:53
